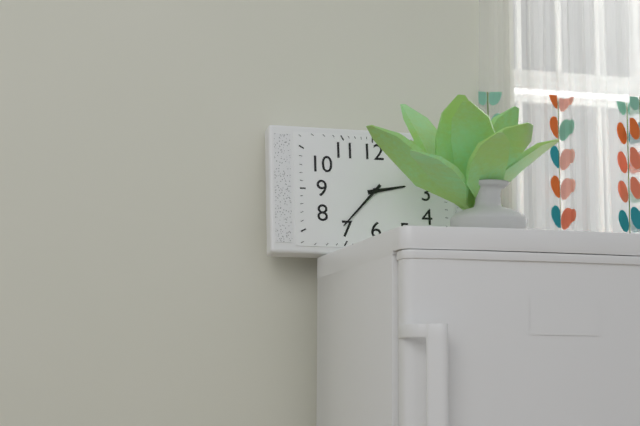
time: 2:37
